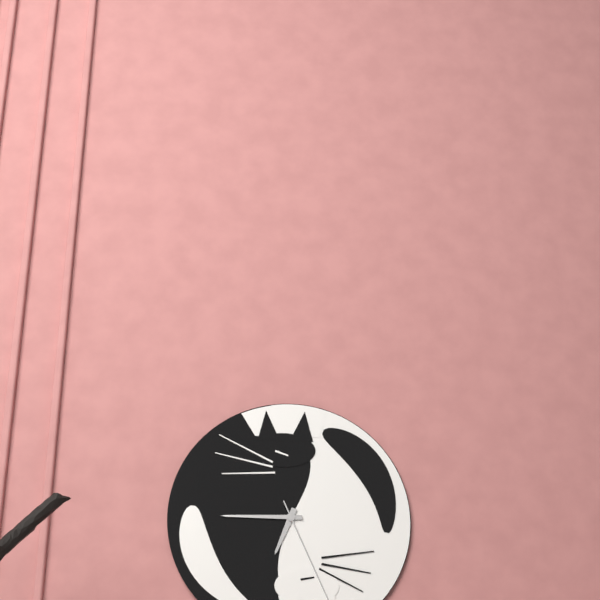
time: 6:45
